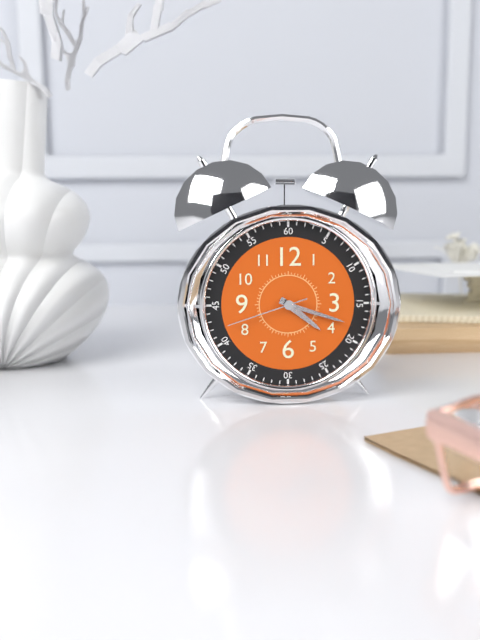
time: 4:18:42
